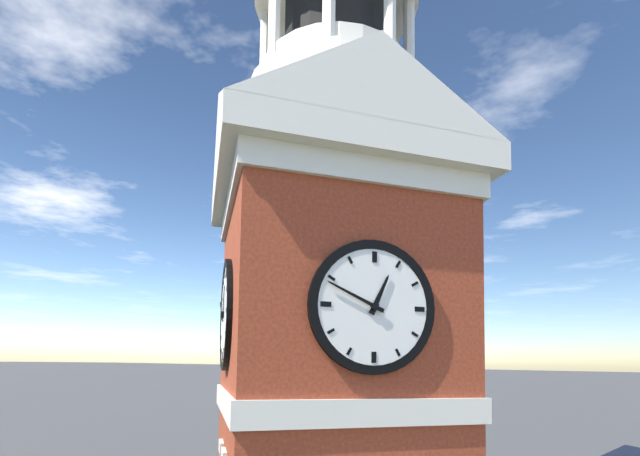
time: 12:49
